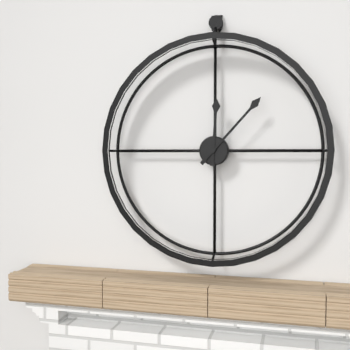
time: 12:07
